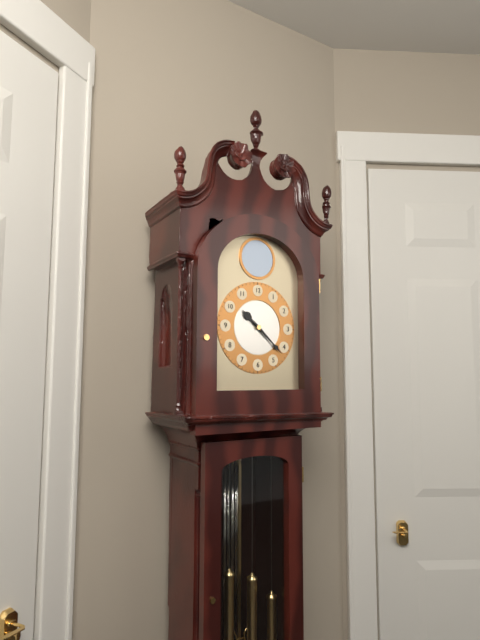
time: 10:22
